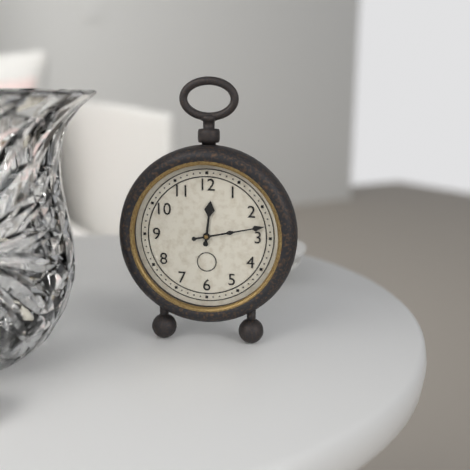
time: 12:13
